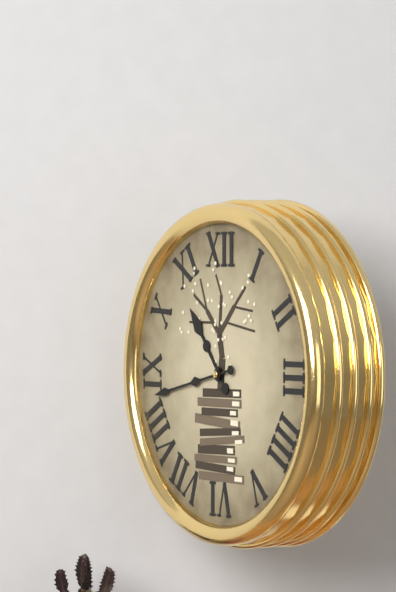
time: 10:43
